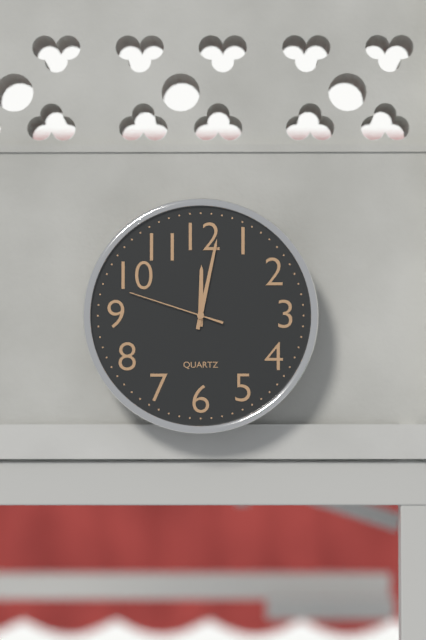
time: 12:02:48
